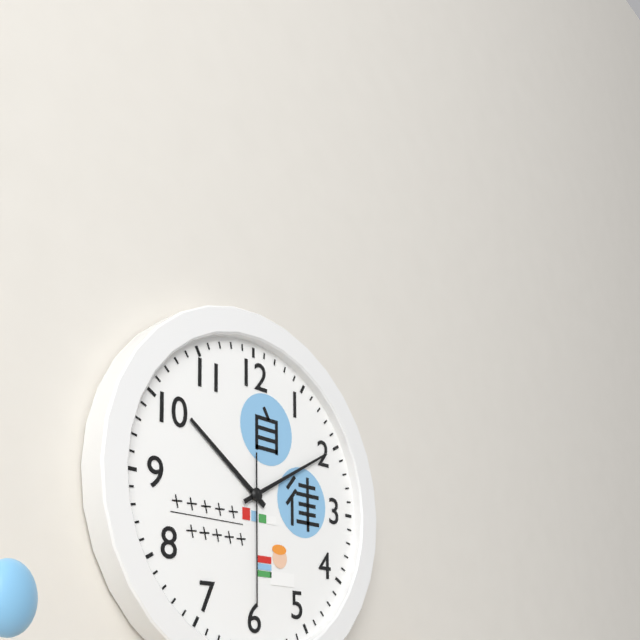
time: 10:10:30
